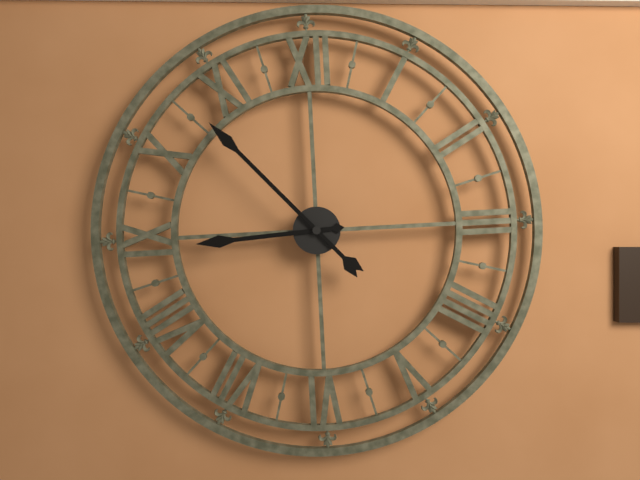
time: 8:53
